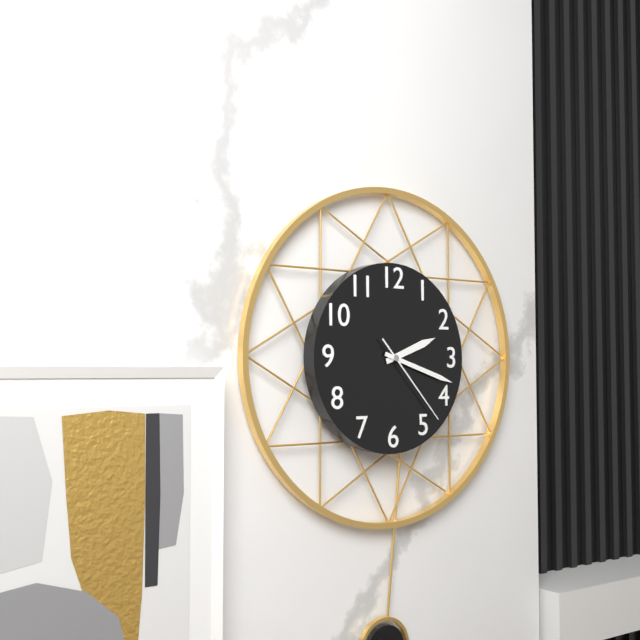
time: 2:18:23
